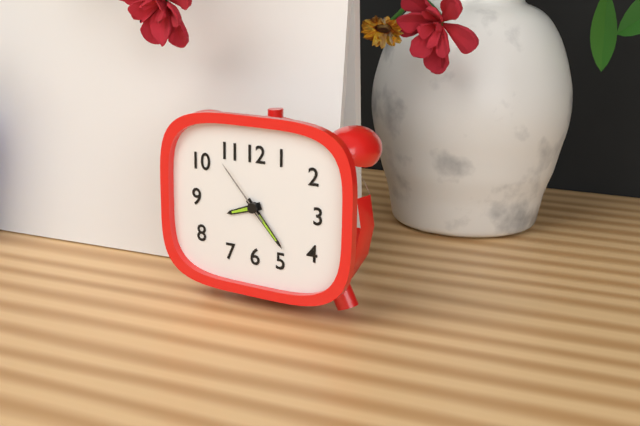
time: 8:23:53
